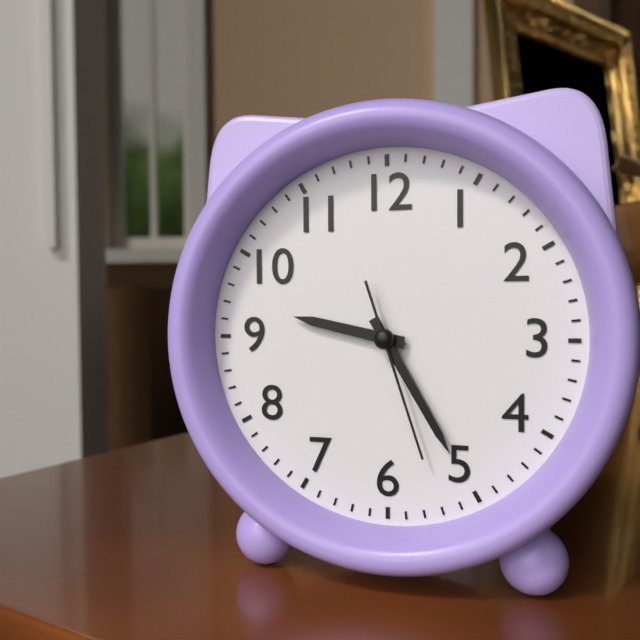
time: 9:25:27
